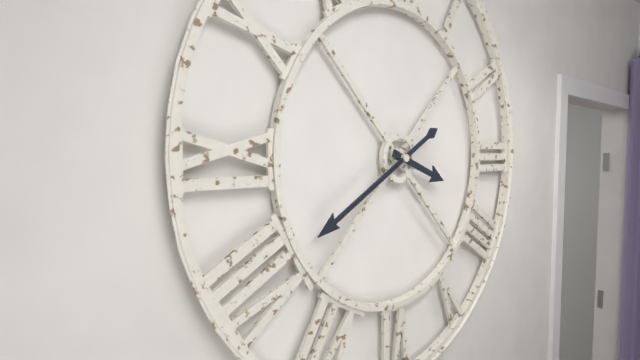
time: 3:40
